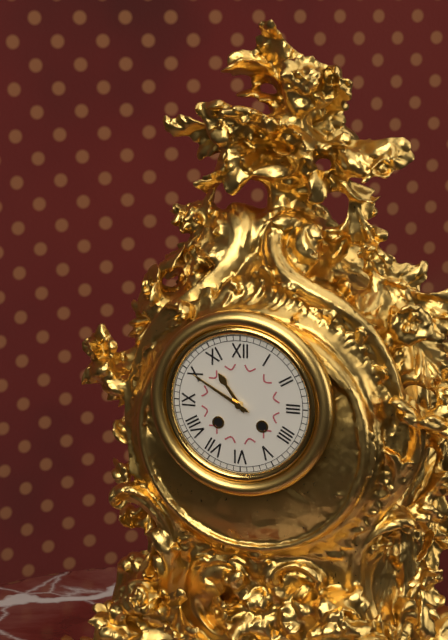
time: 10:50
